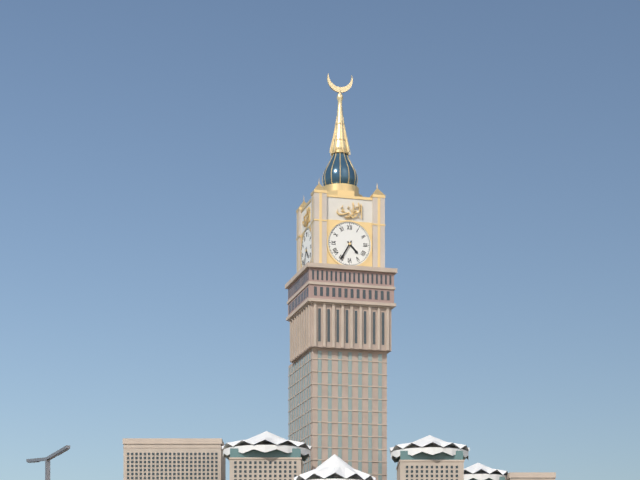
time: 4:35
